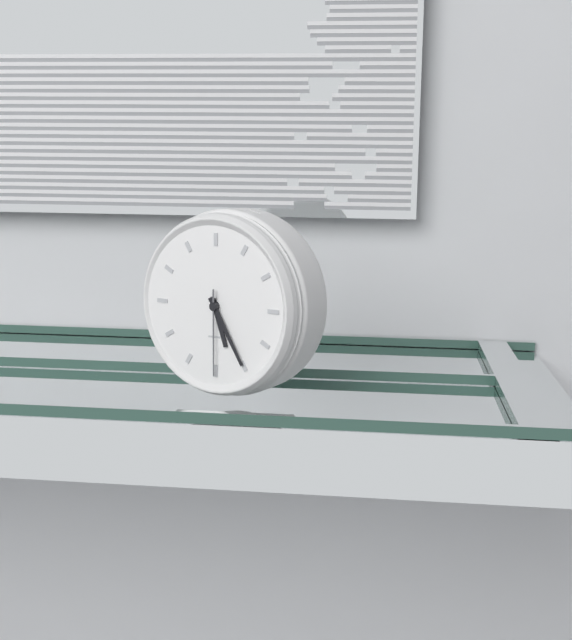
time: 5:25:30
